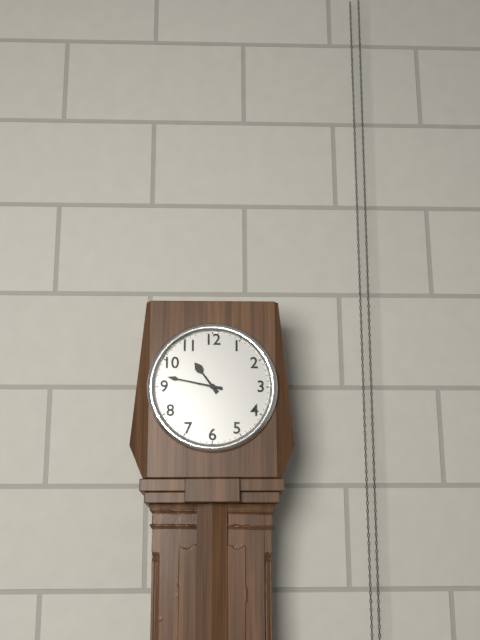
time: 10:47
